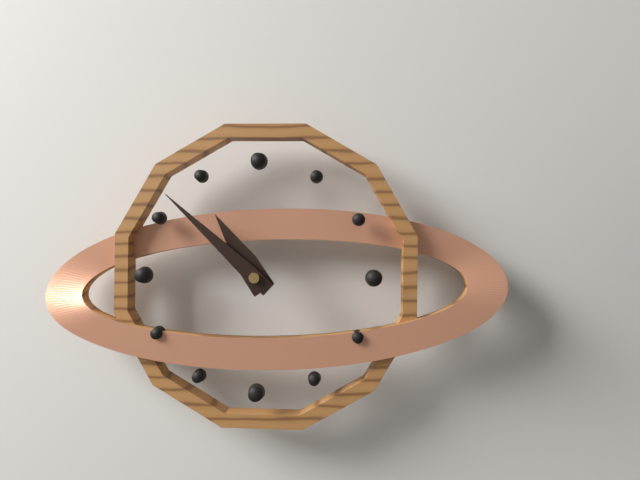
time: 10:52
